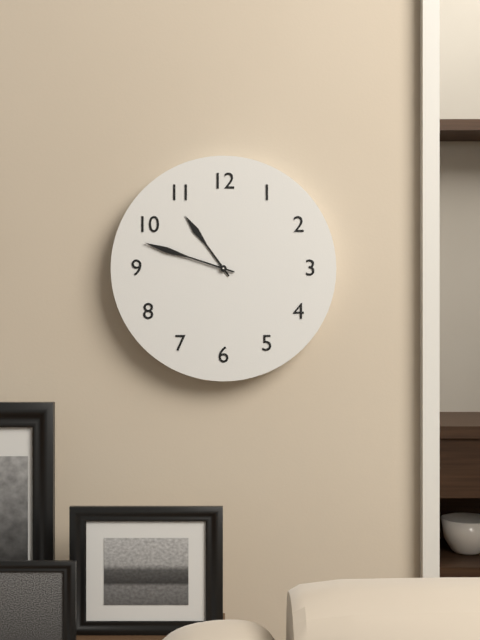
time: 10:48
